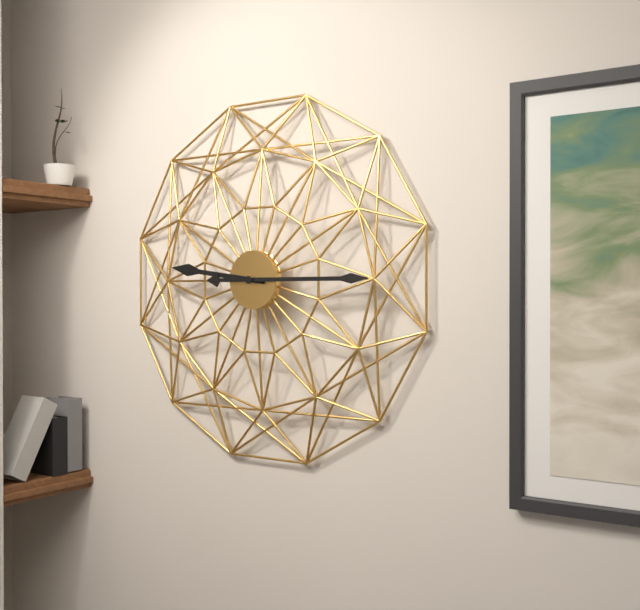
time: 9:15
